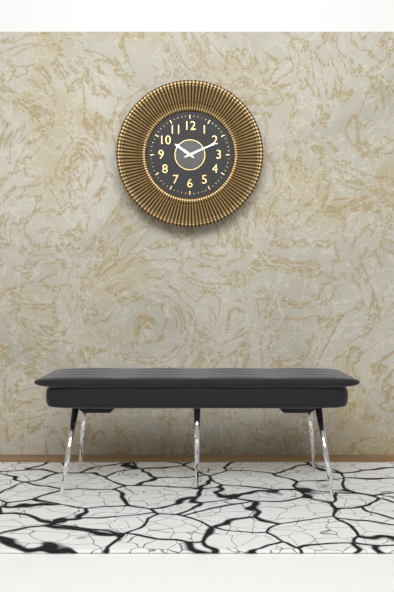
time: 10:11
